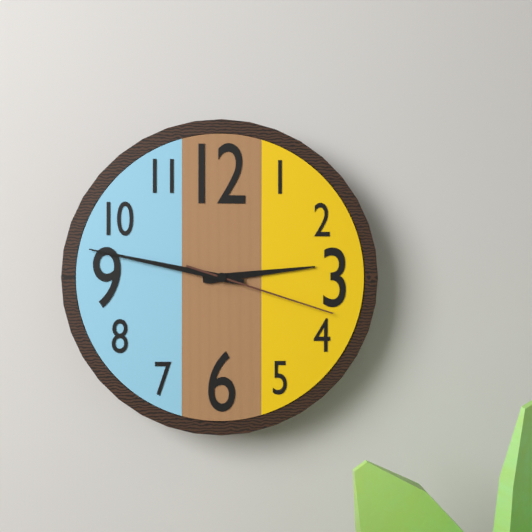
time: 2:47:18
